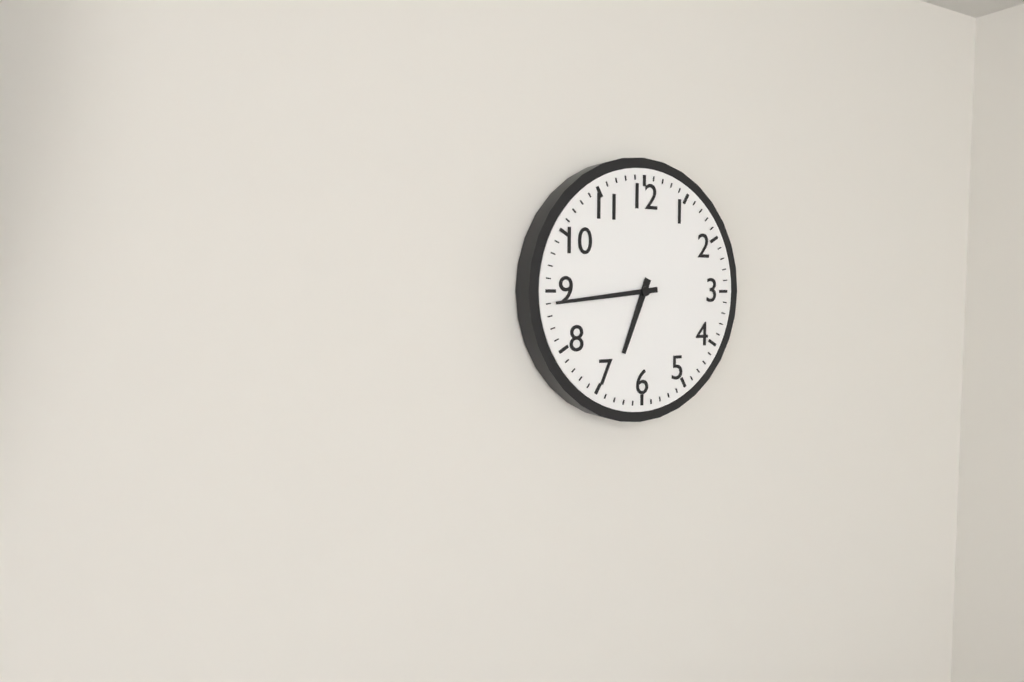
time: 6:44
